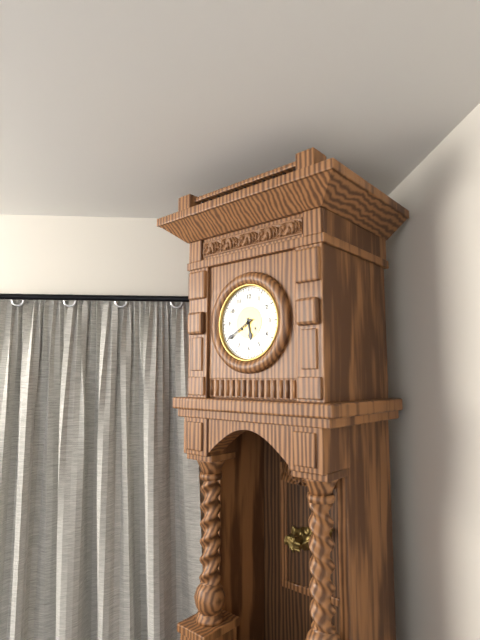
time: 5:40
